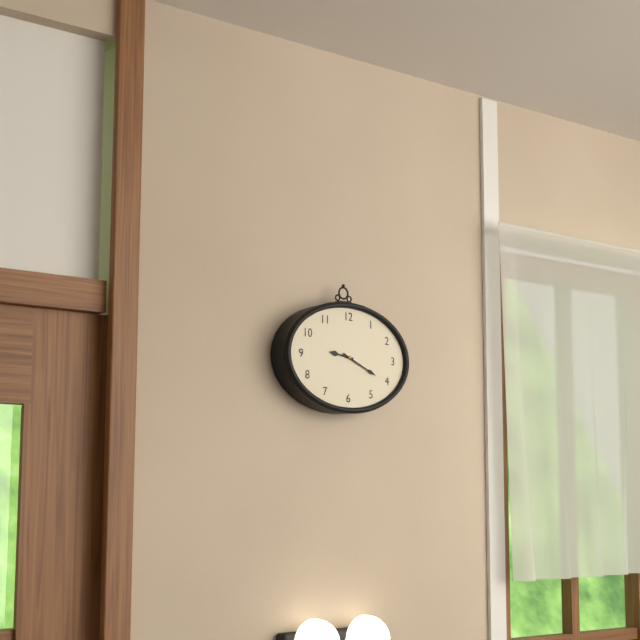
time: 9:19
